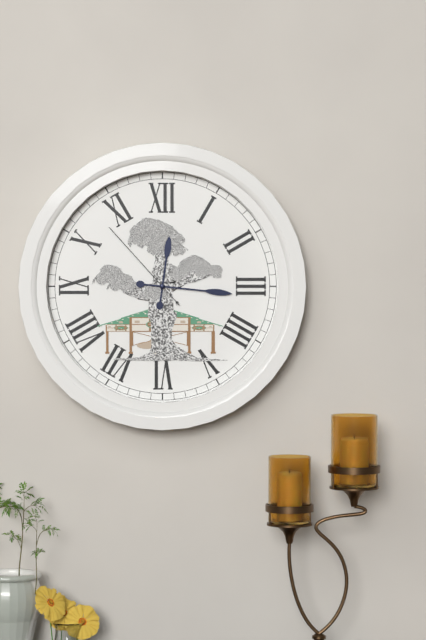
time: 12:16:53
